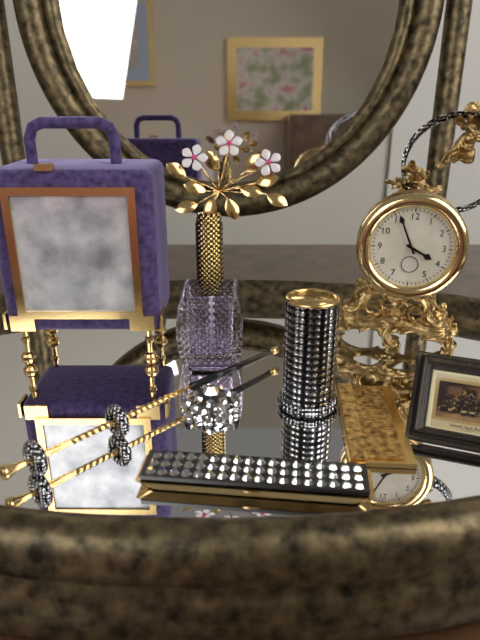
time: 3:56
